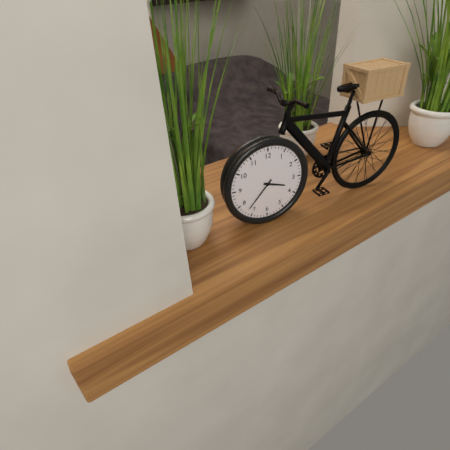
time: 3:37
